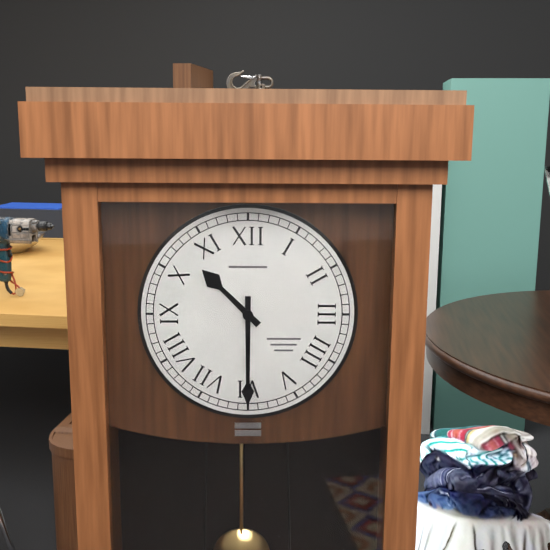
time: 10:30
